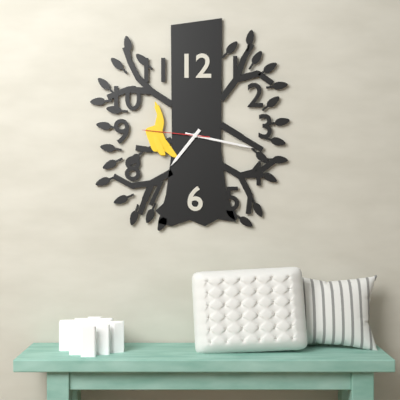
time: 7:17:46
